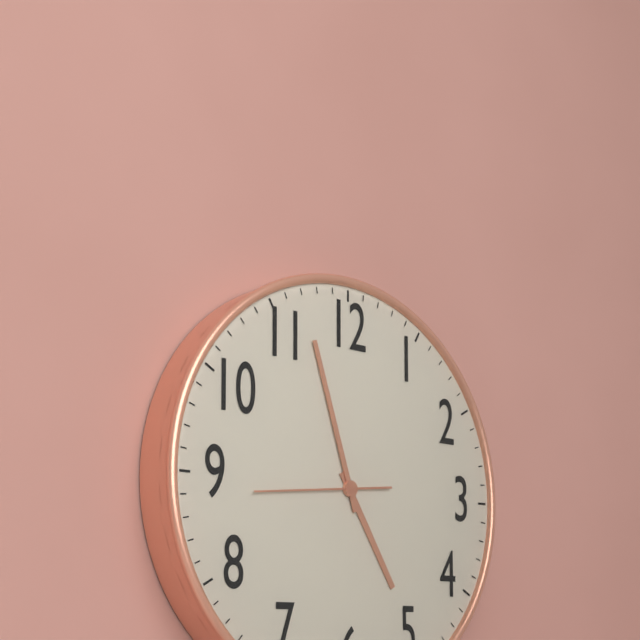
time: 4:57:44
